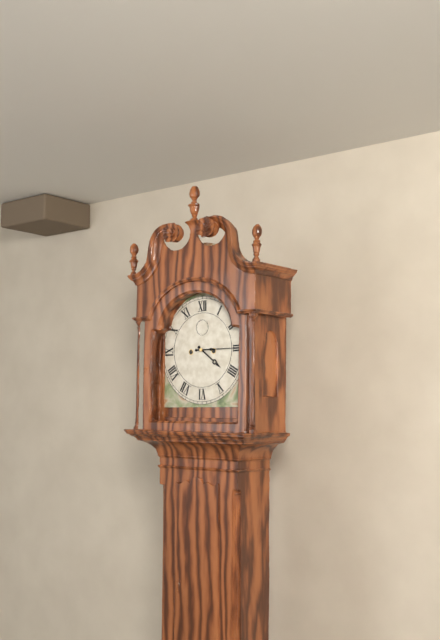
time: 4:15
